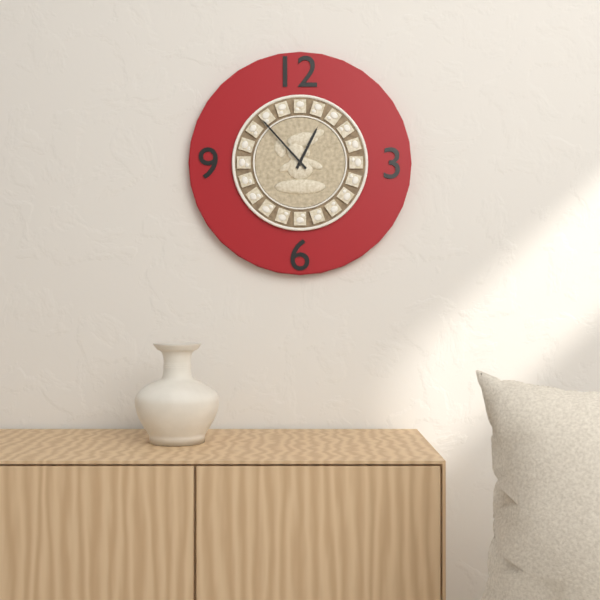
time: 12:53
